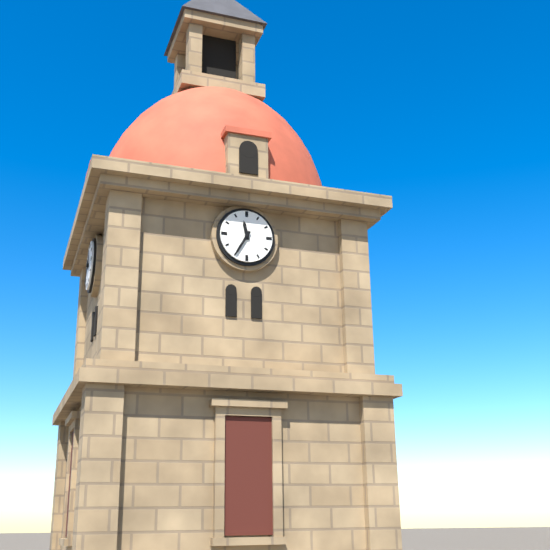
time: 11:35
